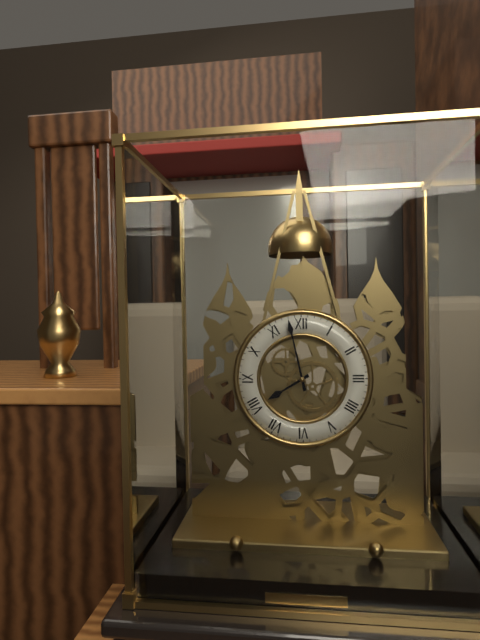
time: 7:58
